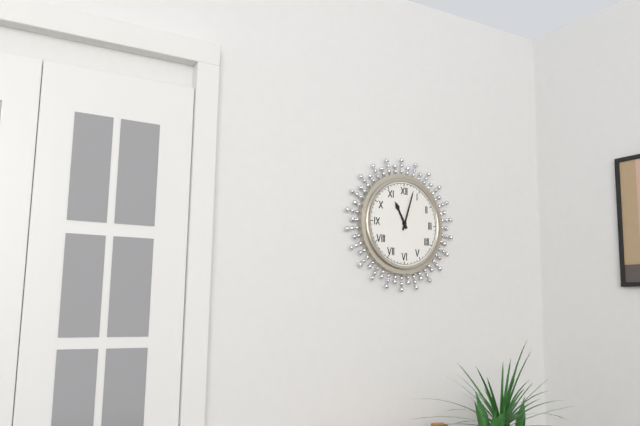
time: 11:03
